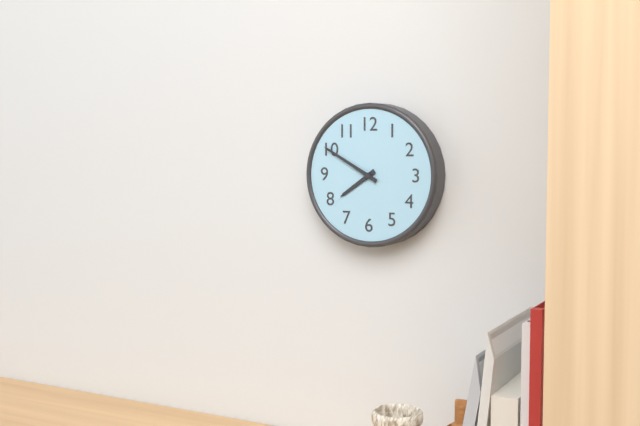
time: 7:50
